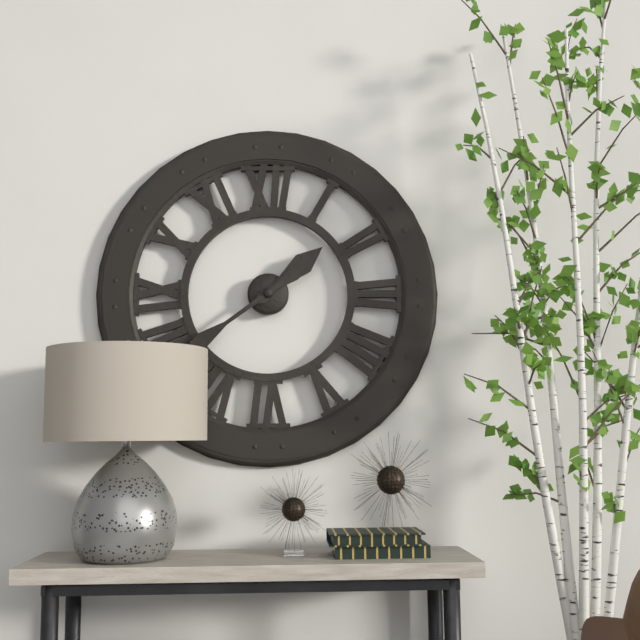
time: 1:39
